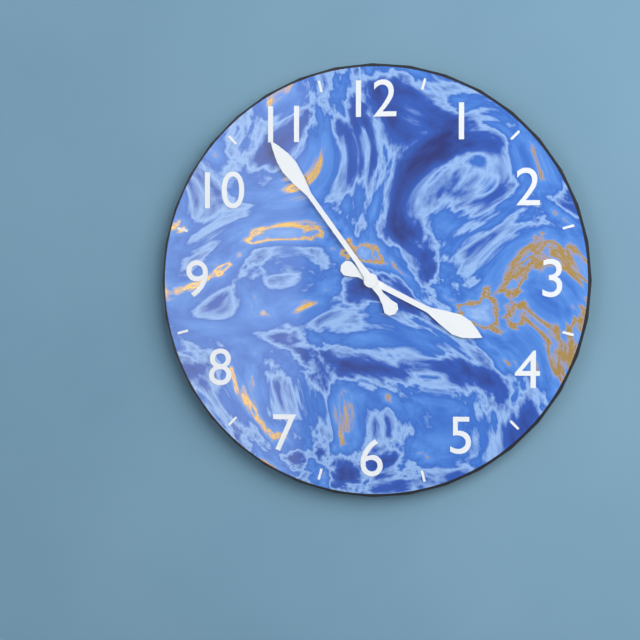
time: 3:54
